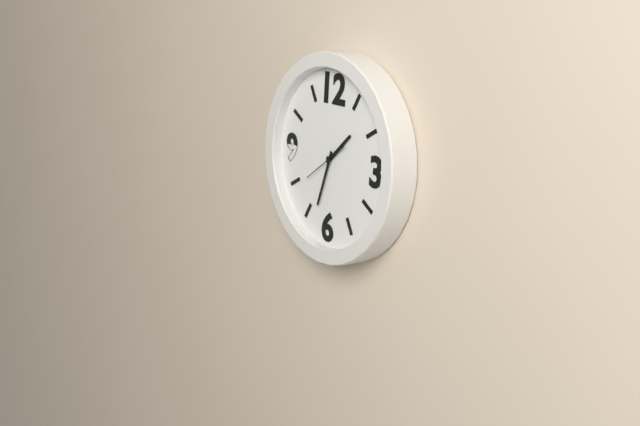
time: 1:33
